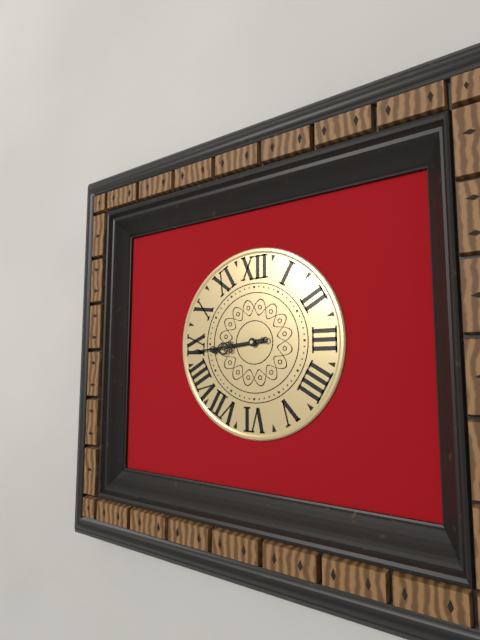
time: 8:44
